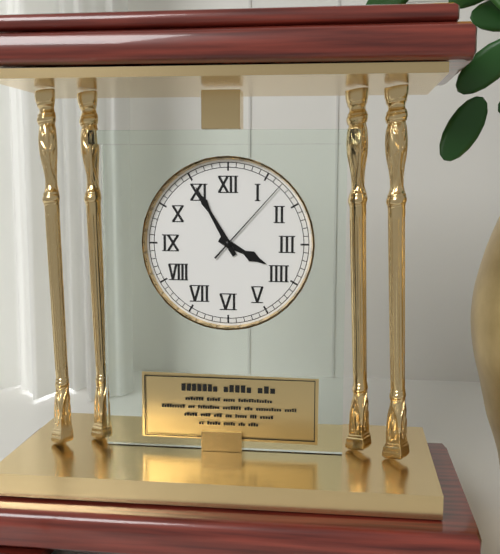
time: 3:55:07
